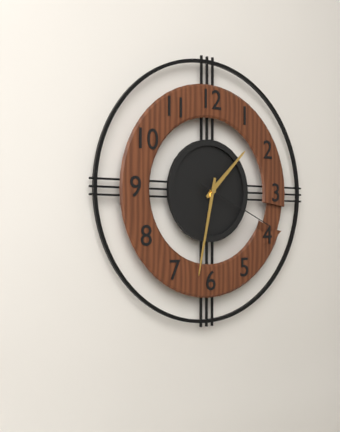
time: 1:32:19
